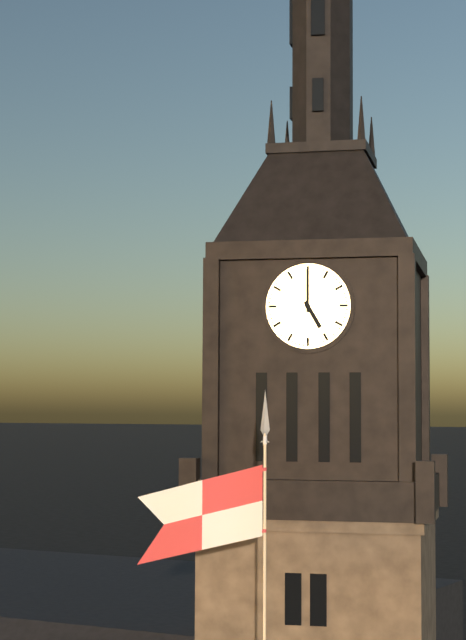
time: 5:00
